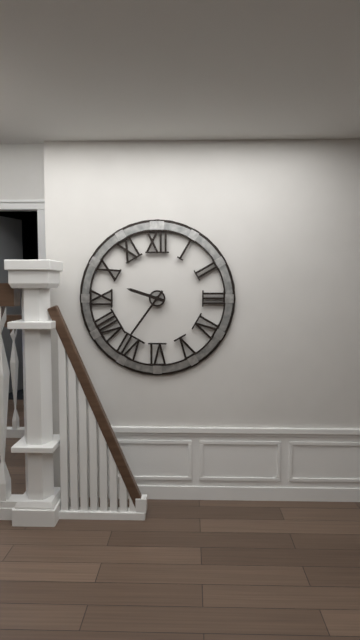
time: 9:36
